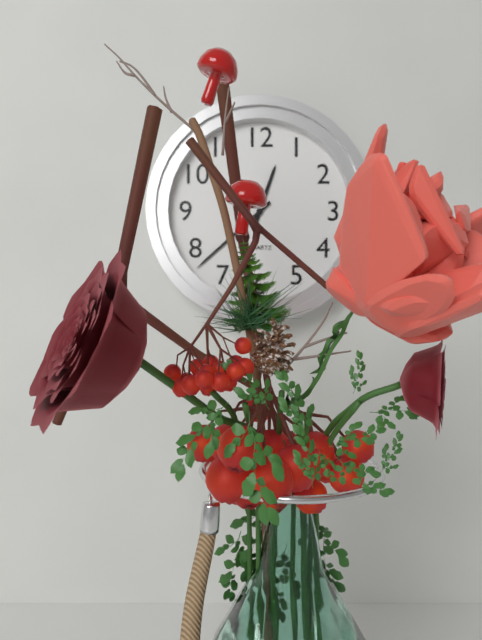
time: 12:38
